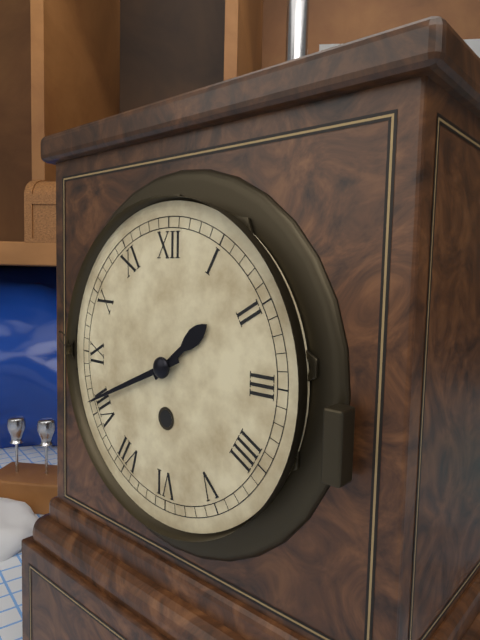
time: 1:41
